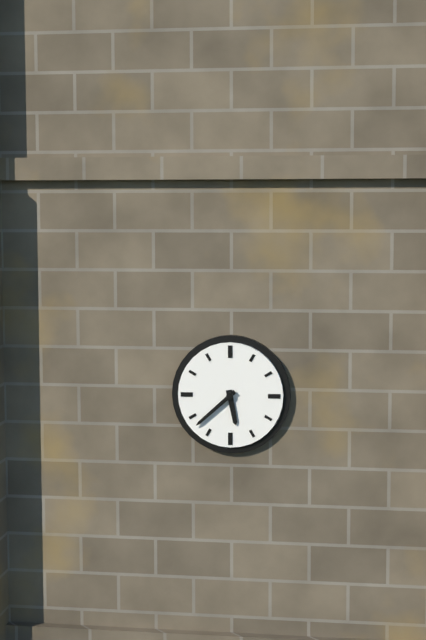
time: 5:38
